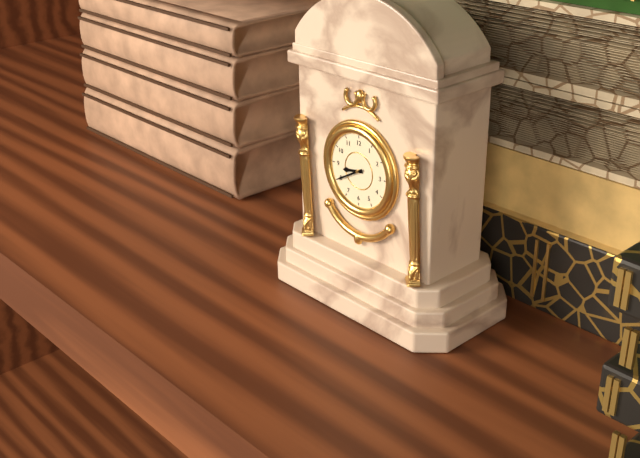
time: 8:40
